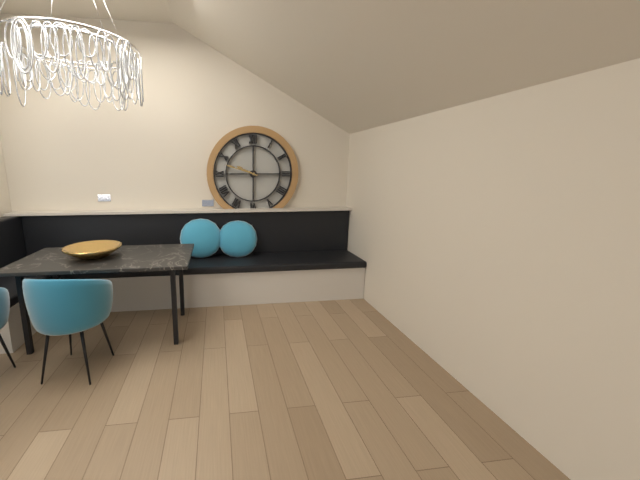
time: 9:48
